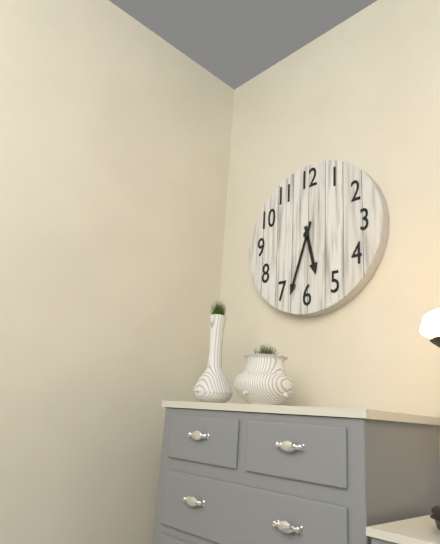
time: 5:33
